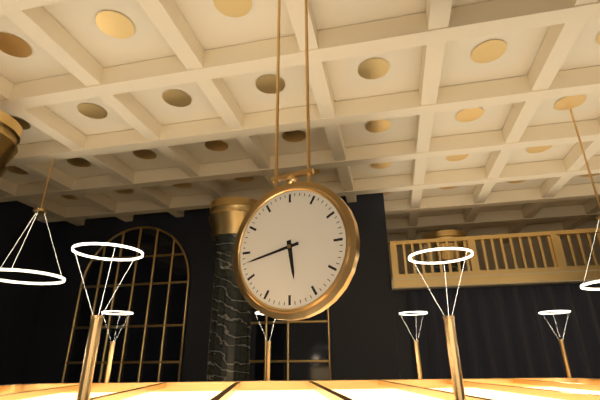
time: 5:43
